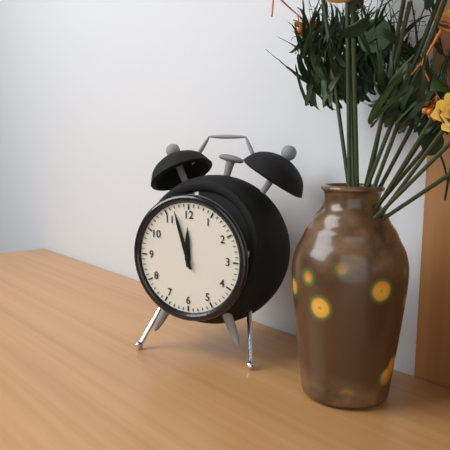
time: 11:57
